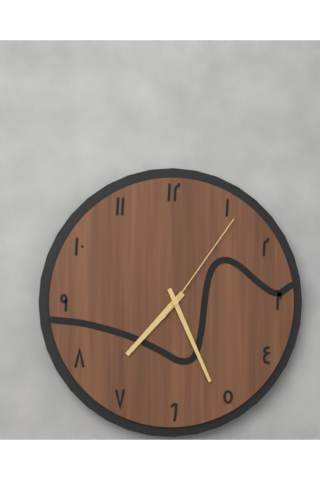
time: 7:26:06
